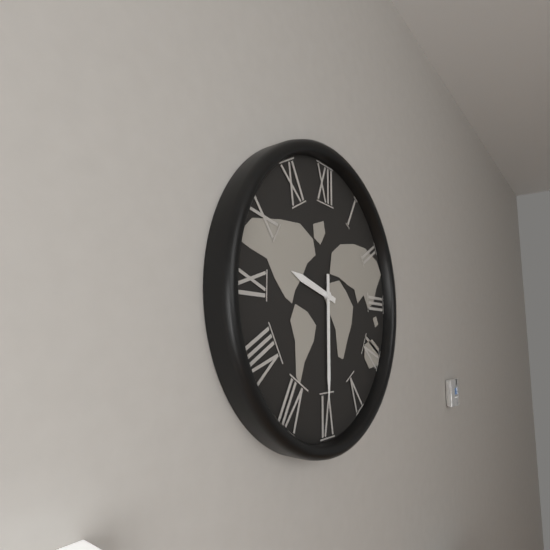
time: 9:30
